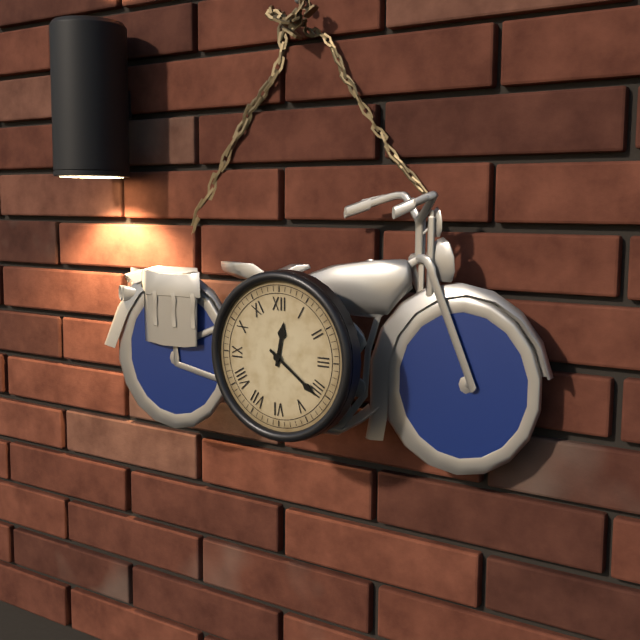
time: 12:21
